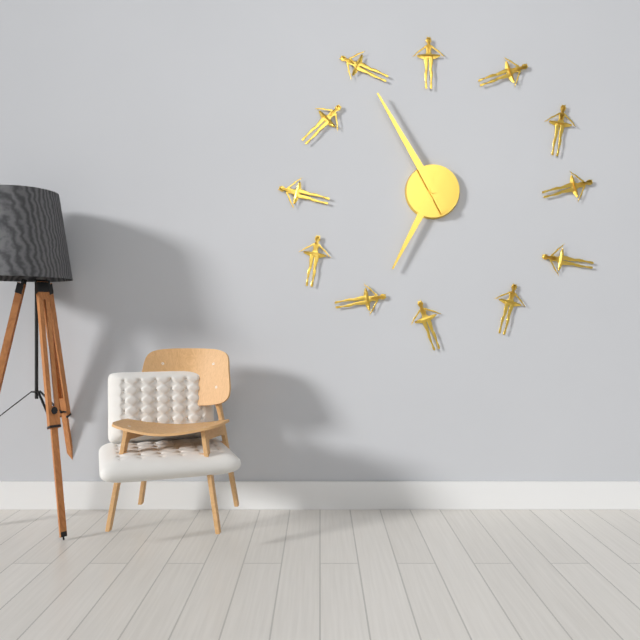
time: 6:55
